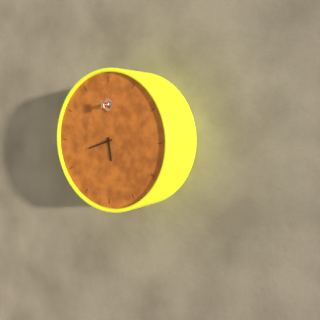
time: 5:42
